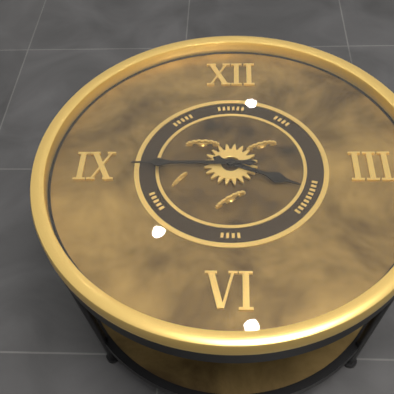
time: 3:45
